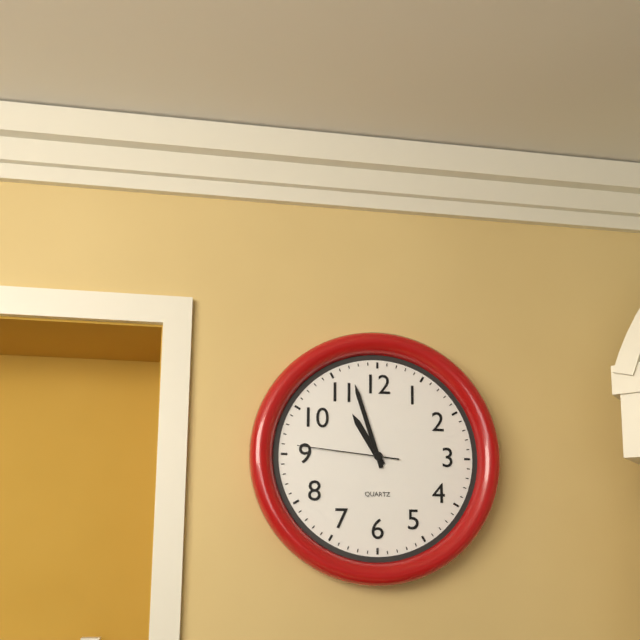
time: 10:57:46
